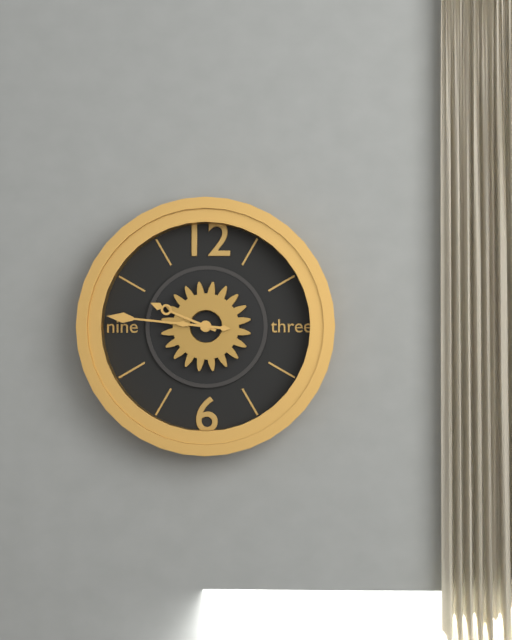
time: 9:46
